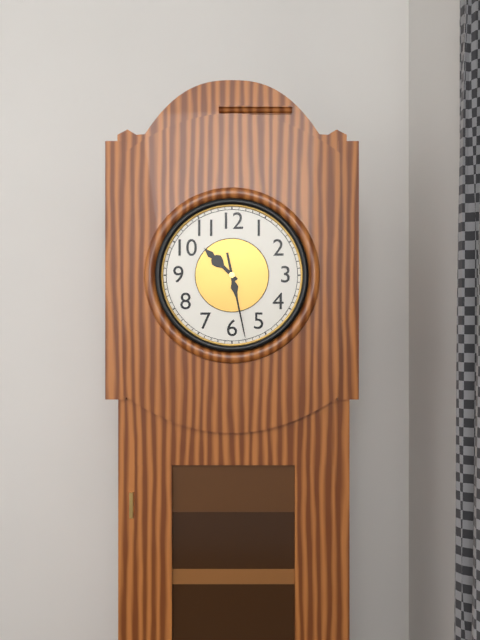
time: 10:28
